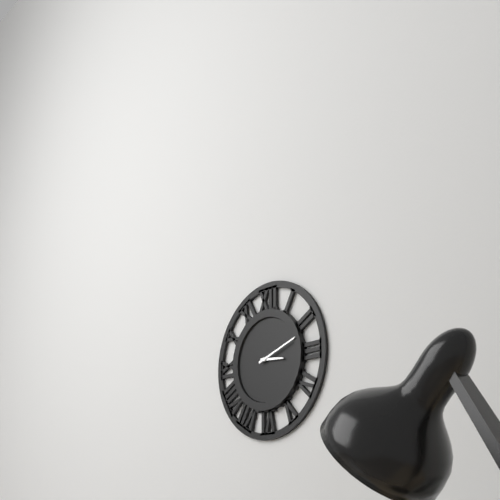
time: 3:12
